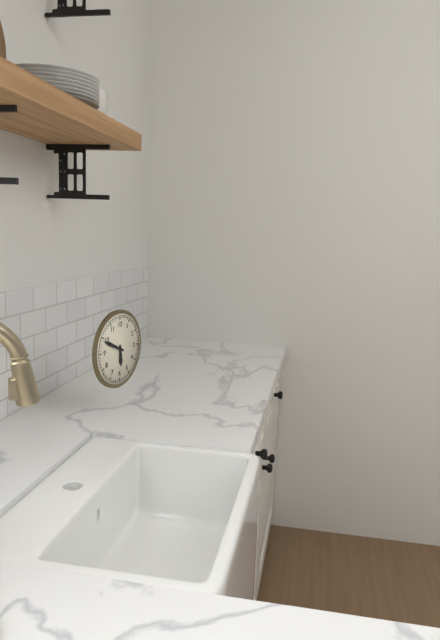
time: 5:49
